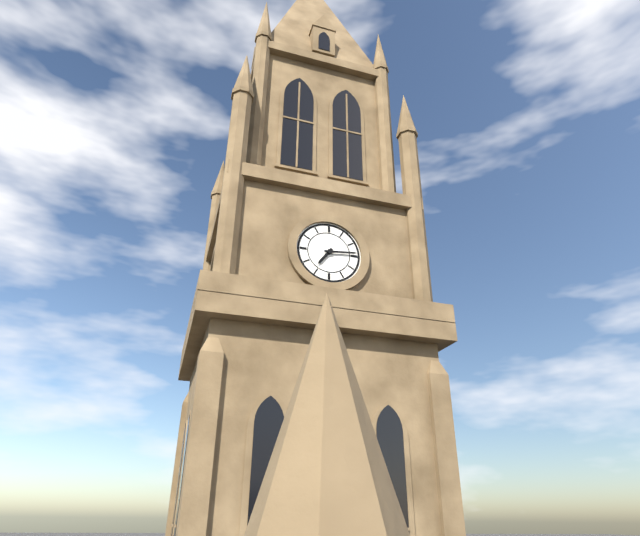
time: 7:14
